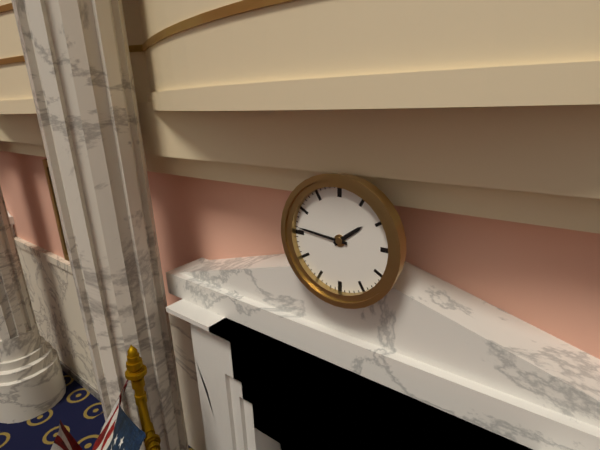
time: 1:46
